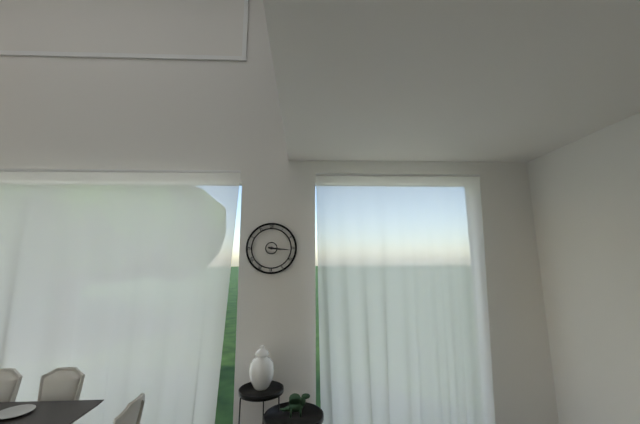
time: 3:16
